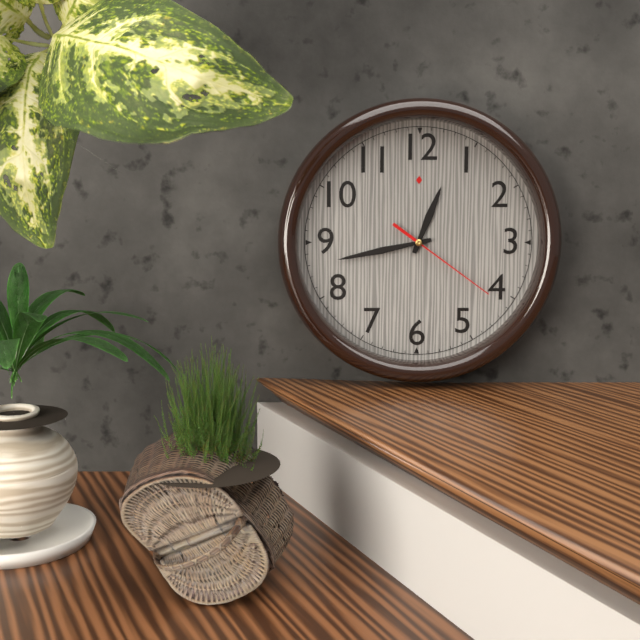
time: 12:43:21
